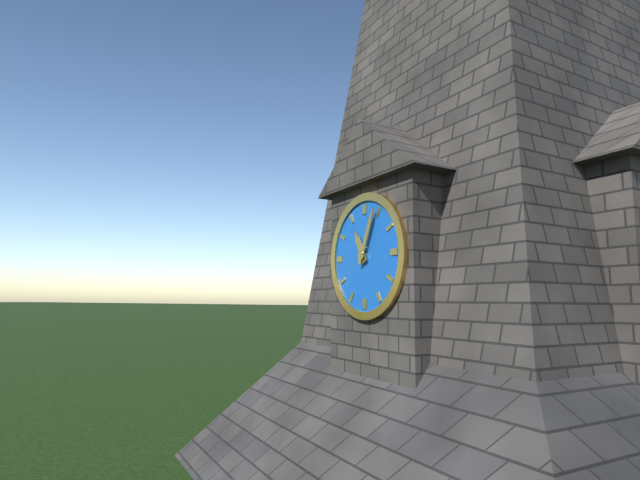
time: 11:04
